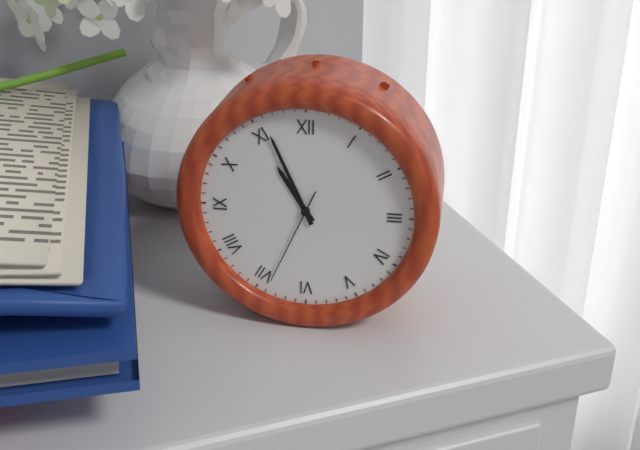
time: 10:56:34
